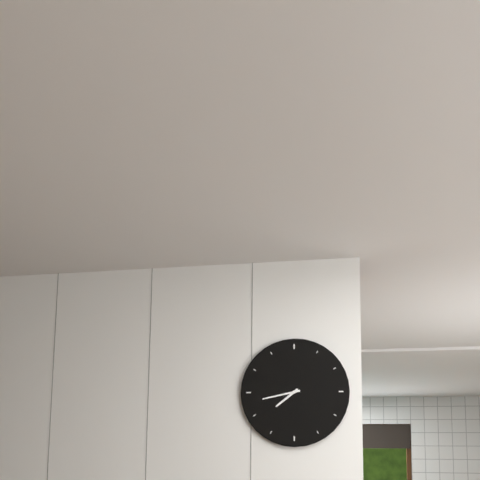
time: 7:43
